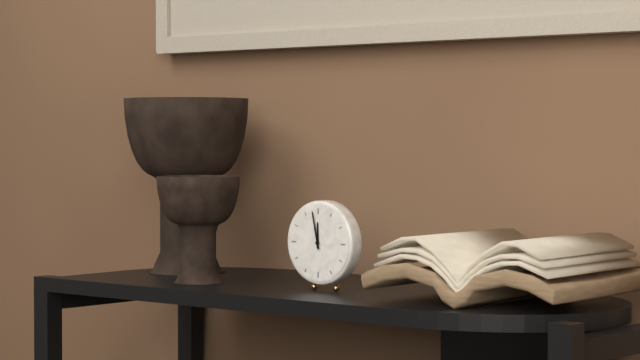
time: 11:58
